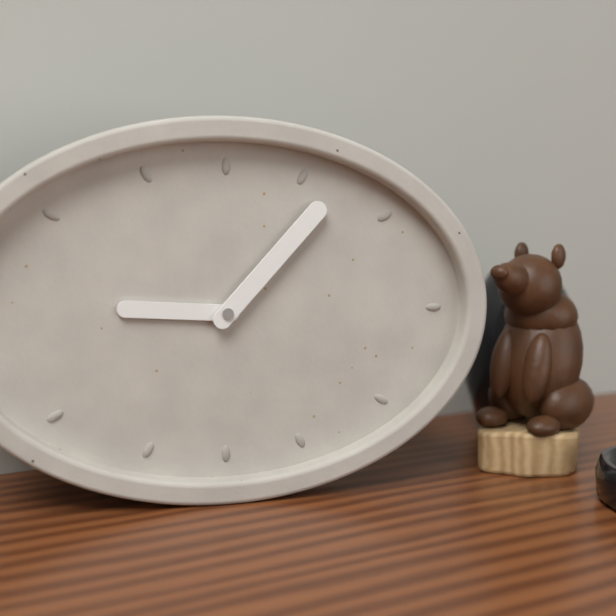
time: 9:07
